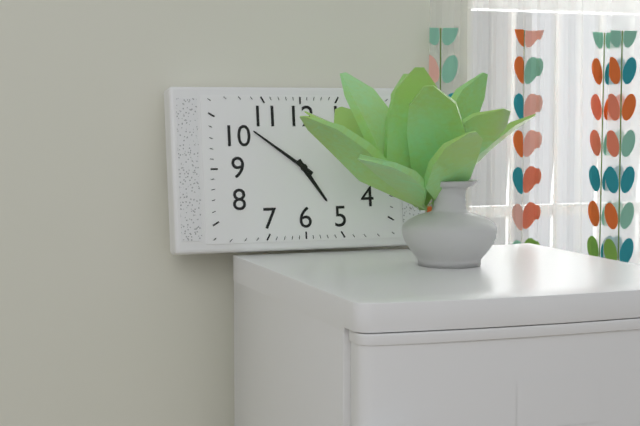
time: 4:51
